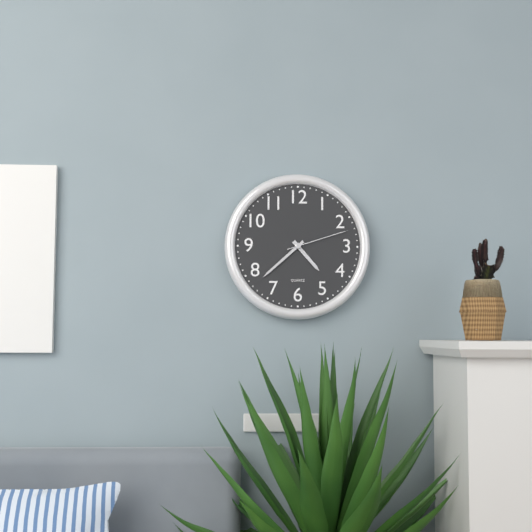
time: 4:38:12
